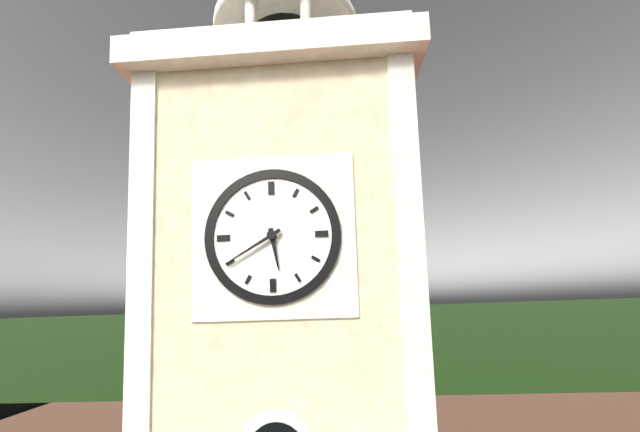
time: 5:40
